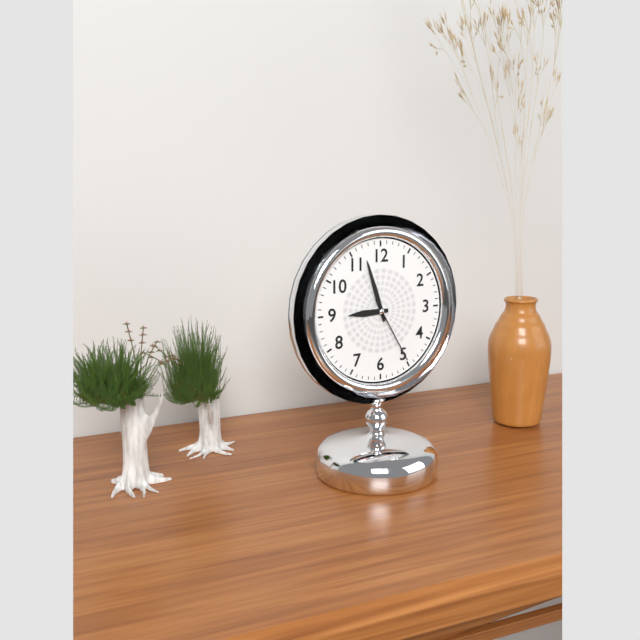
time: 8:57:25
